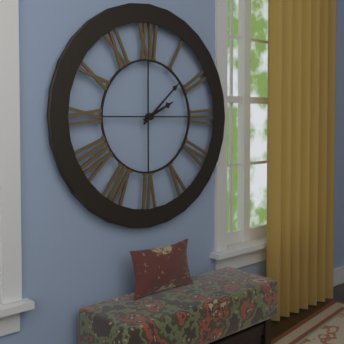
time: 2:08
